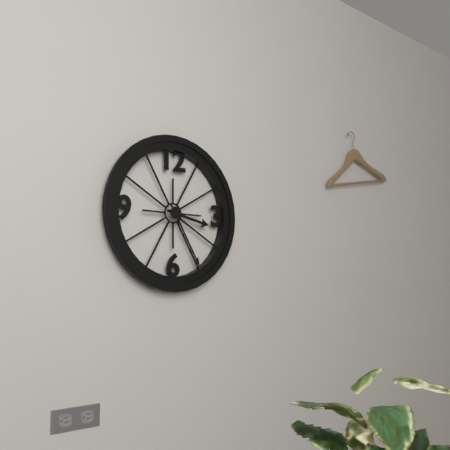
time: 3:25
